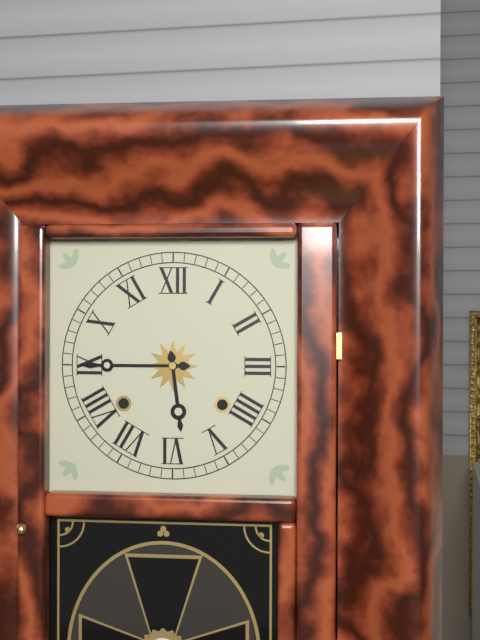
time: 5:45
